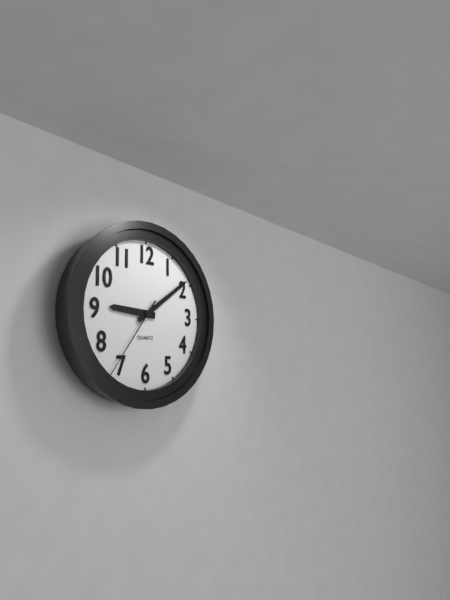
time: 9:09:36
